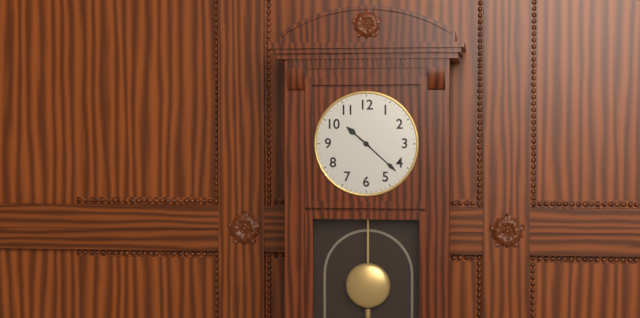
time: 10:22
